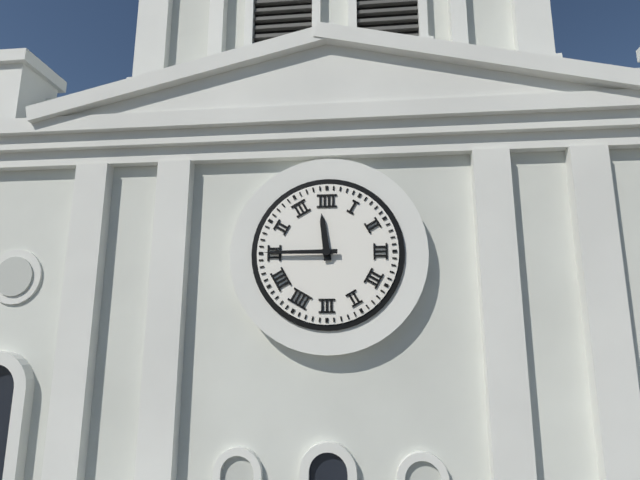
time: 11:45
